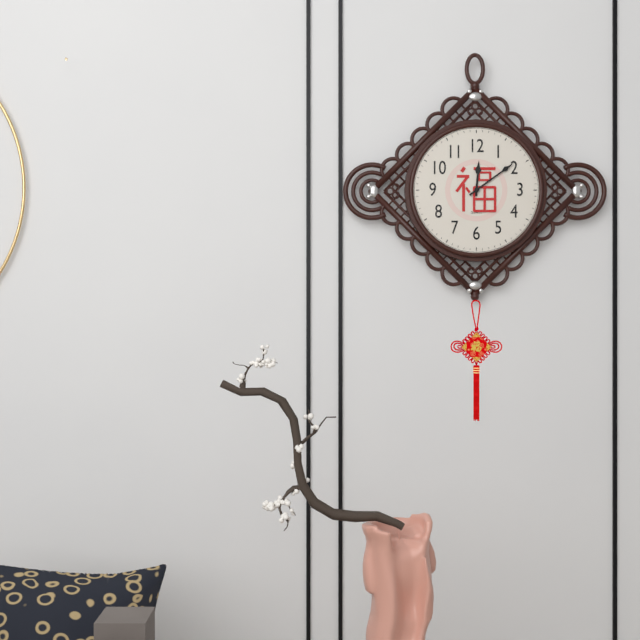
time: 12:09
